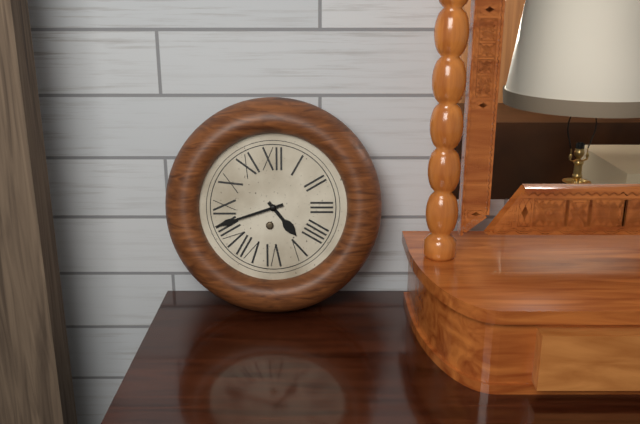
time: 4:42
